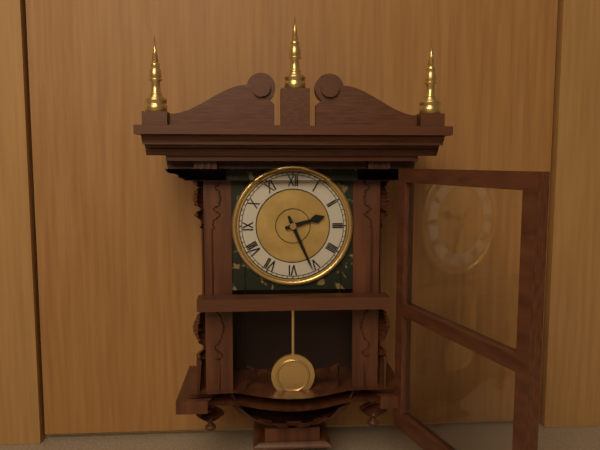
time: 2:26
